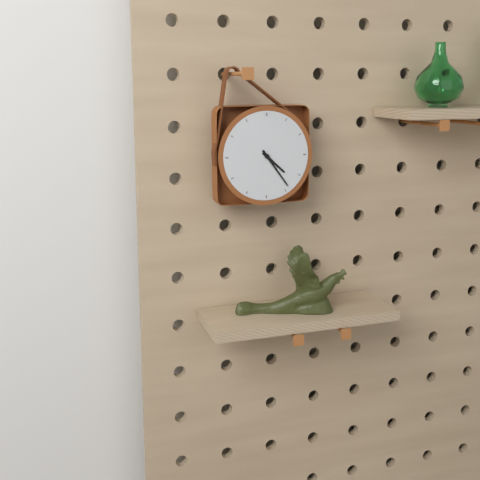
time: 4:24
